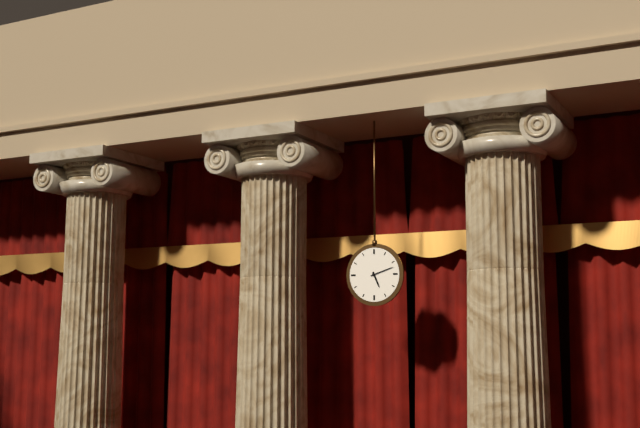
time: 5:12
